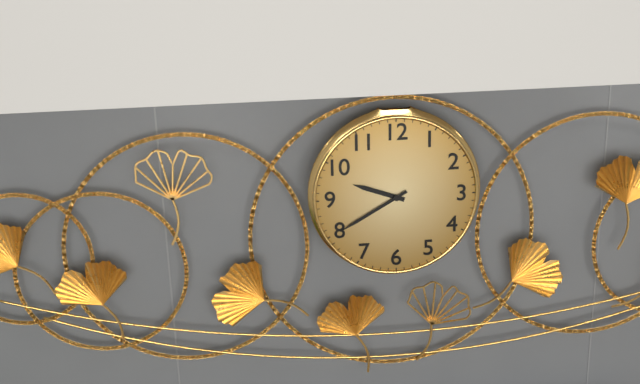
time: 9:40
